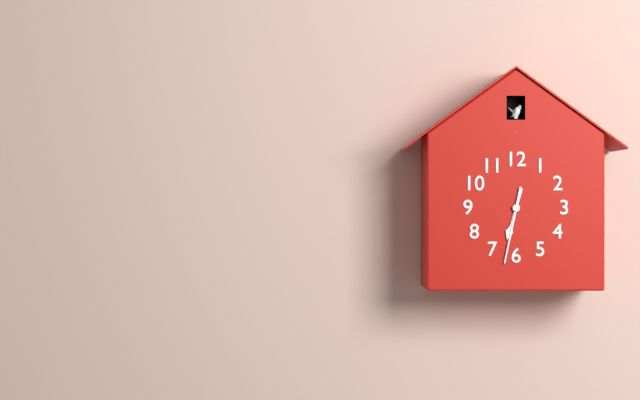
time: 6:32
